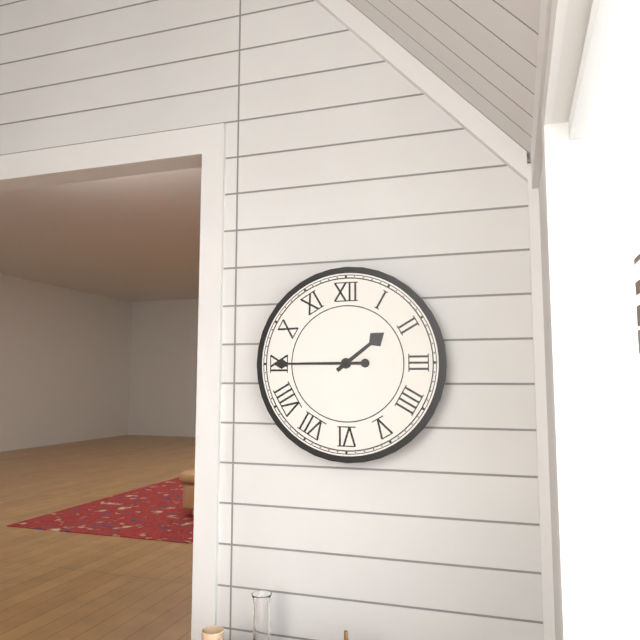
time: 1:45
